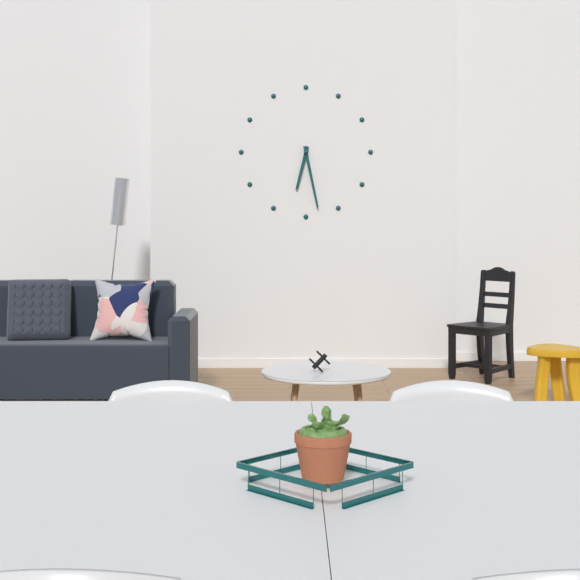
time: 6:28
